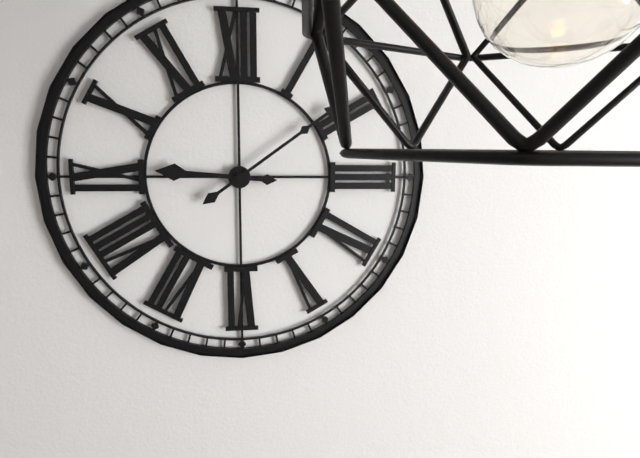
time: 9:09
